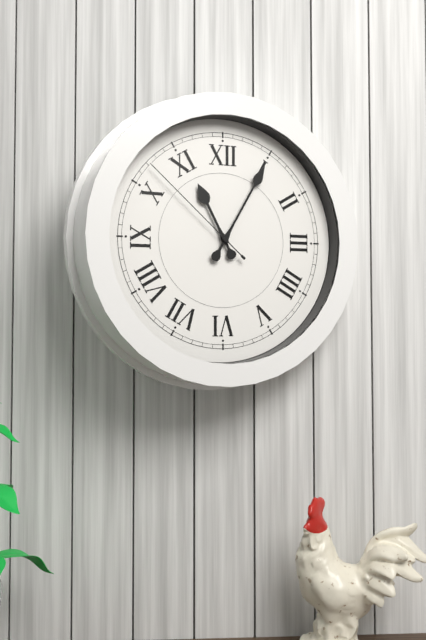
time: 11:05:52
